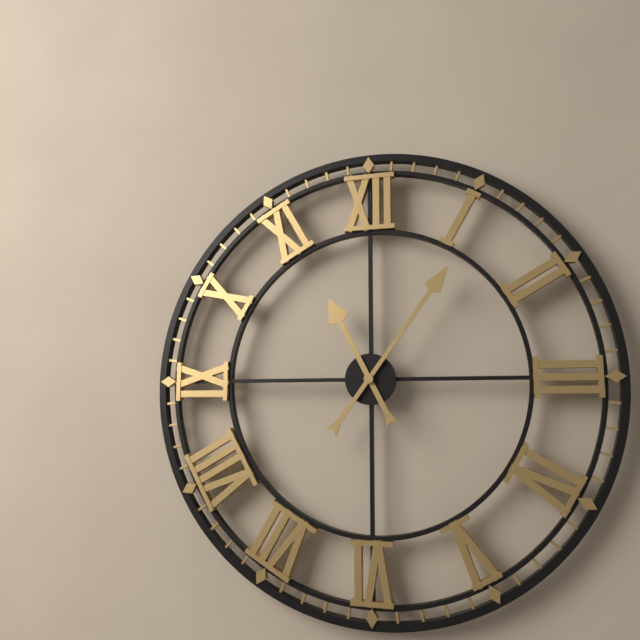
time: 11:06
